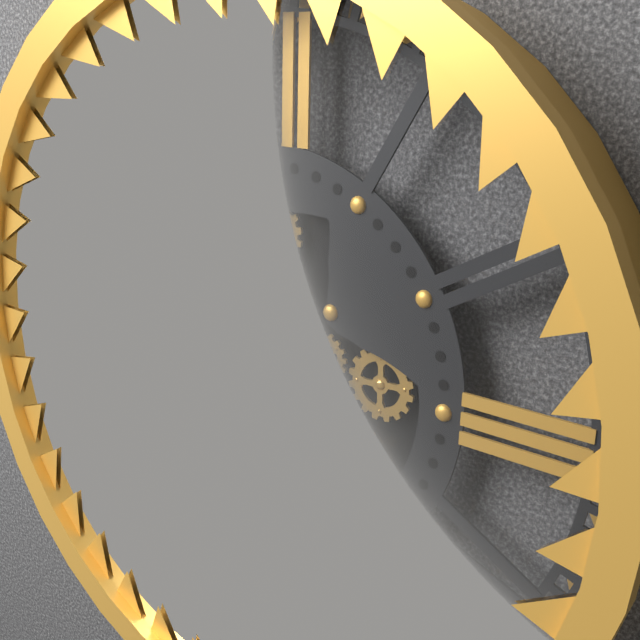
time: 11:45
